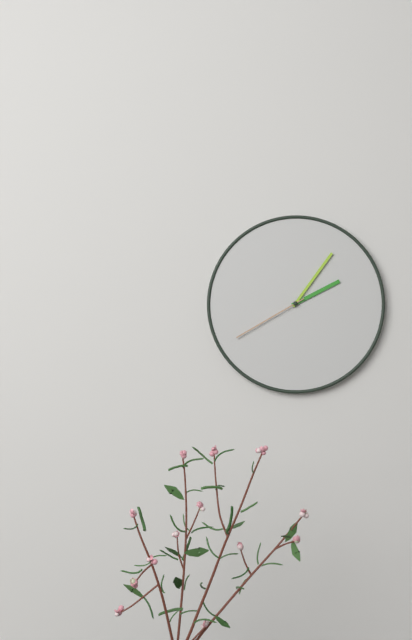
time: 2:06:40
